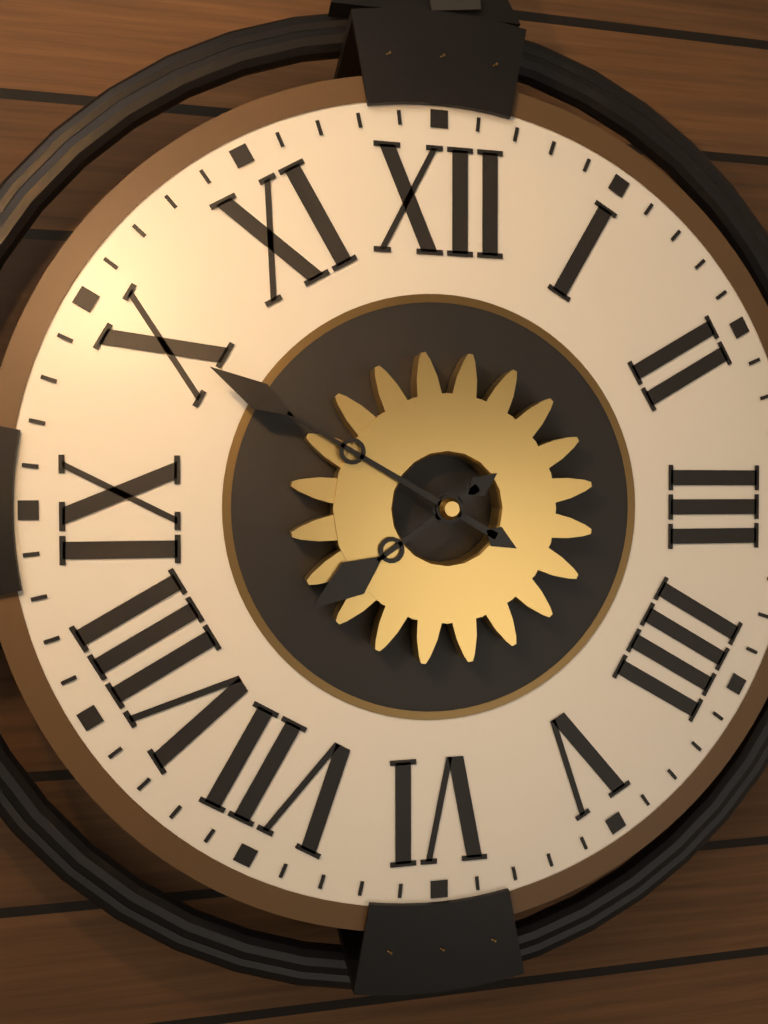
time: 7:50
